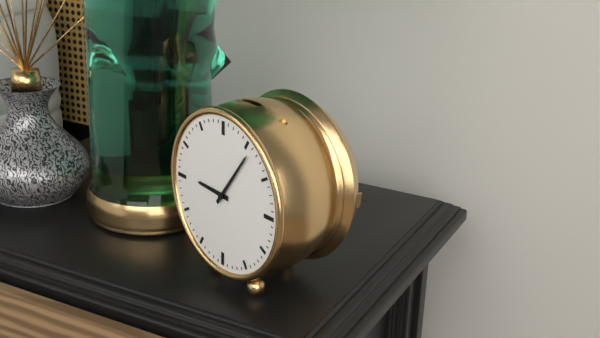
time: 9:06
